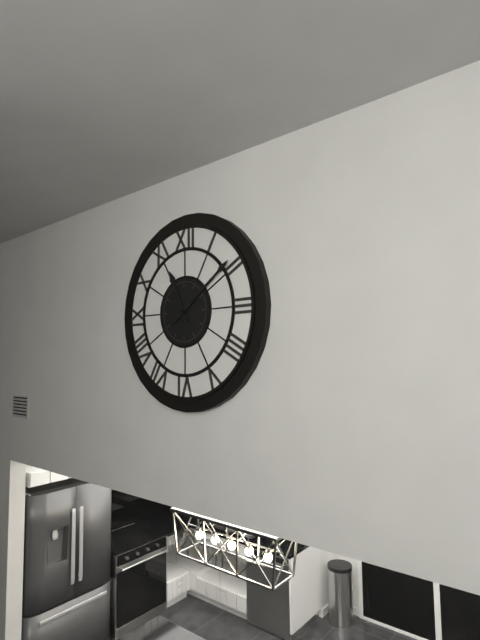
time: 11:09
